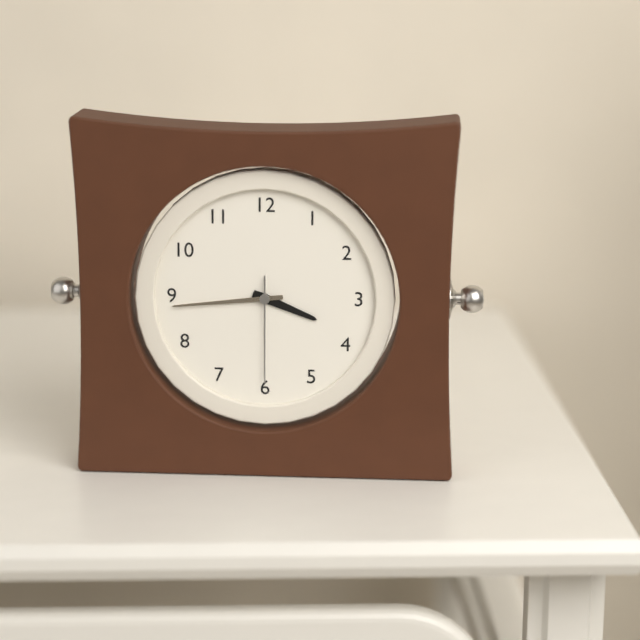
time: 3:44:30
